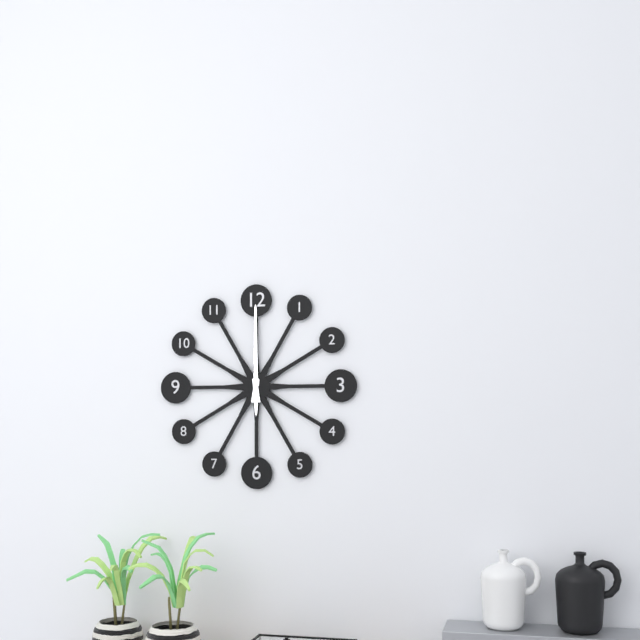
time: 6:00
